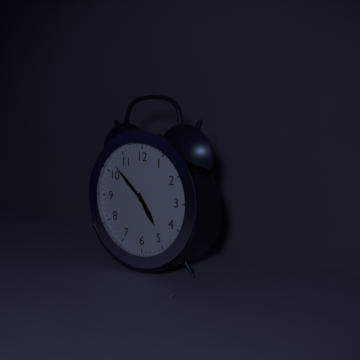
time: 4:52
